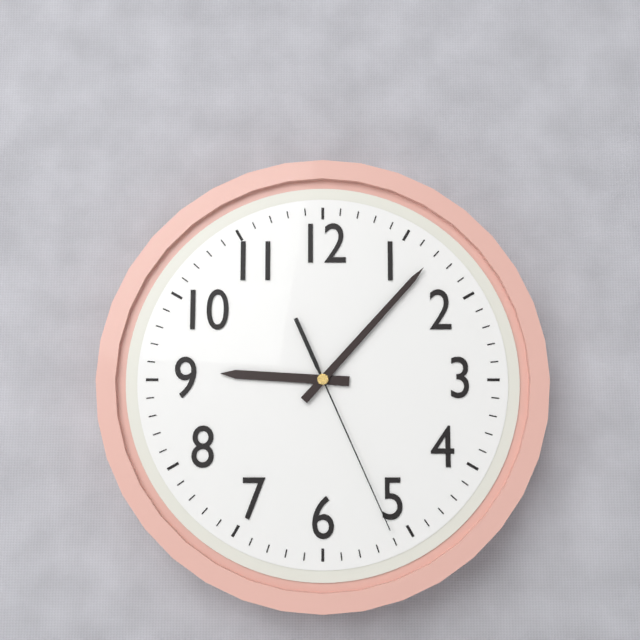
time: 9:07:26
